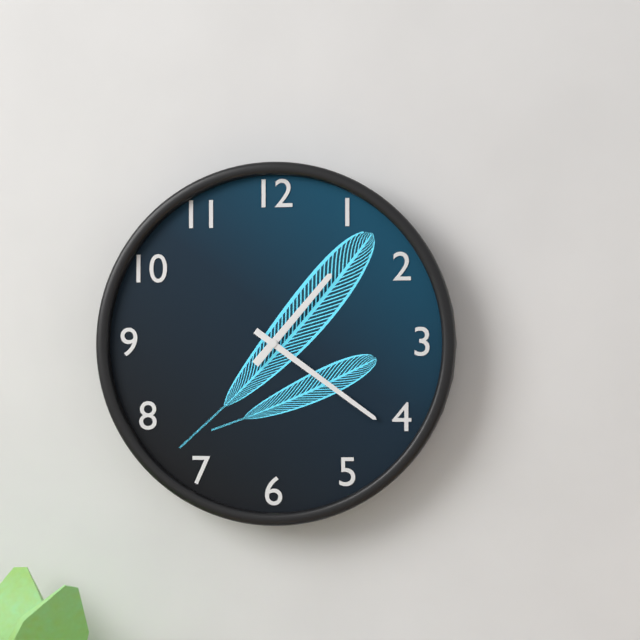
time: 1:21
